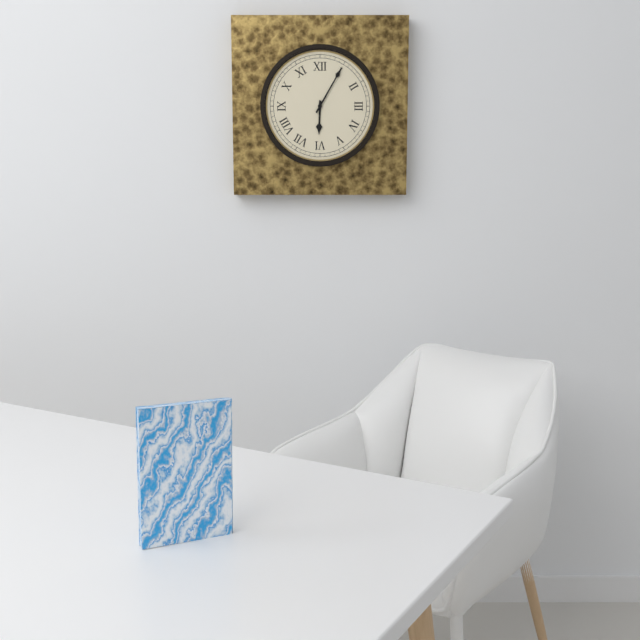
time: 6:05
